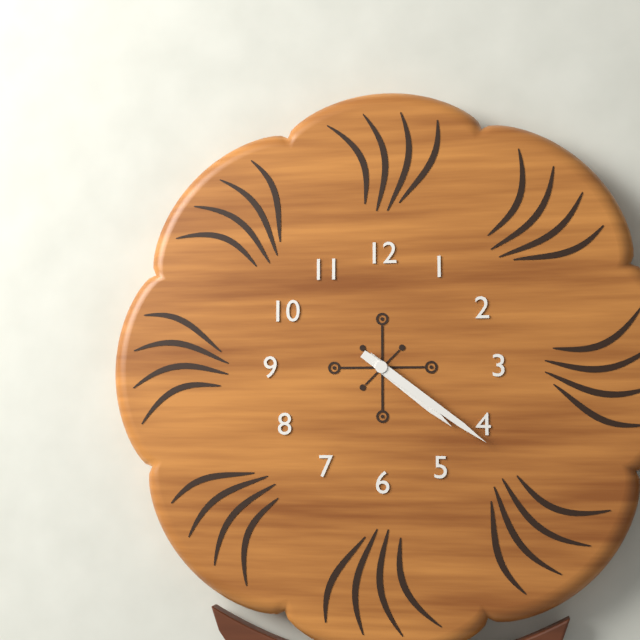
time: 4:21
